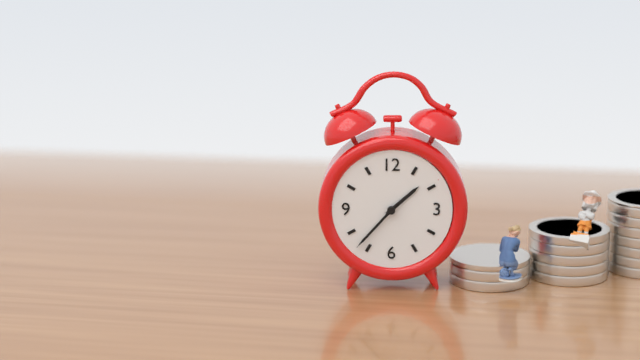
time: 1:37:37
